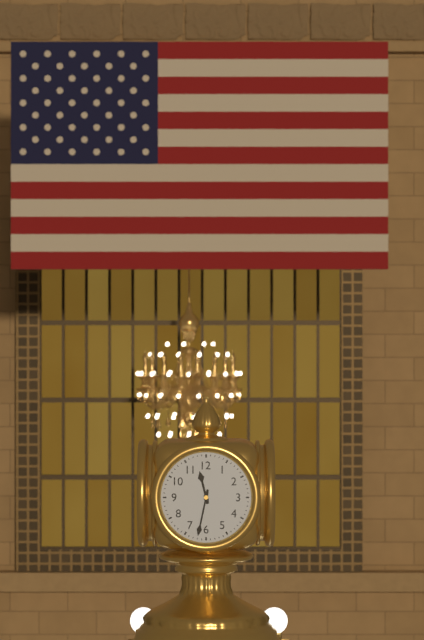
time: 11:32
